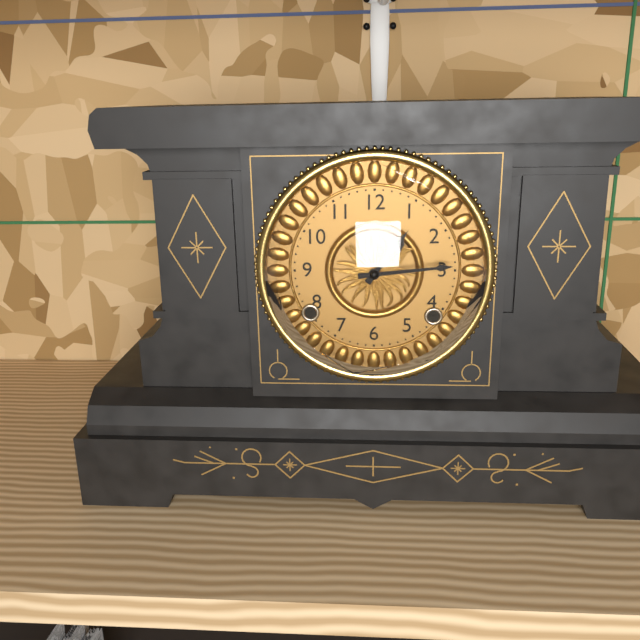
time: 1:14
